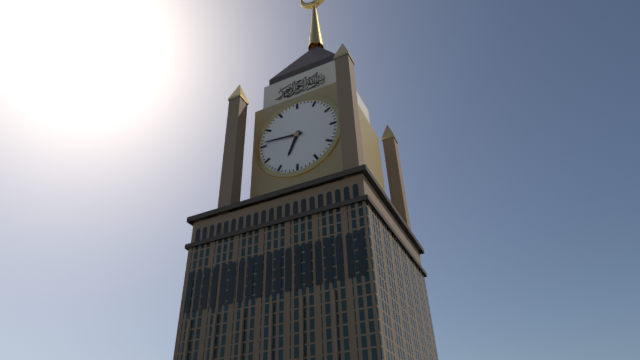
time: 6:46
